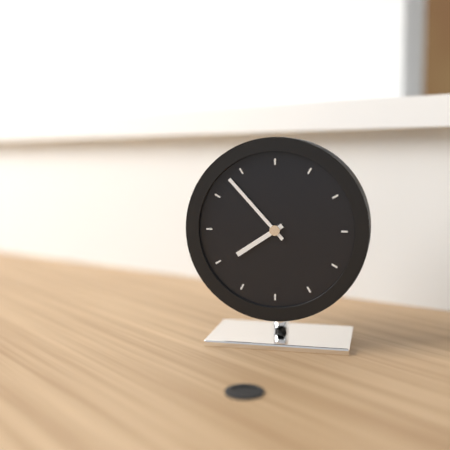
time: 7:53
